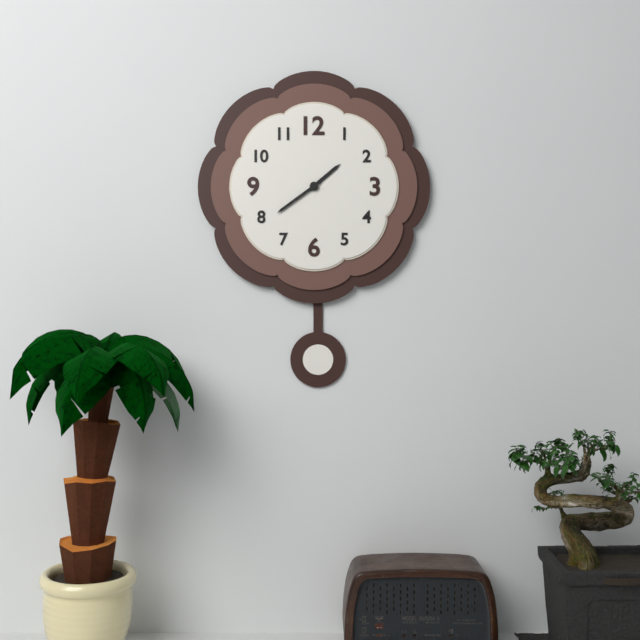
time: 1:39
